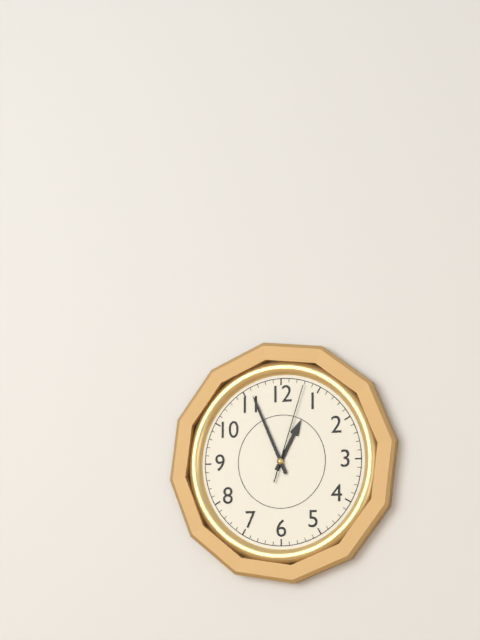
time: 12:56:03
